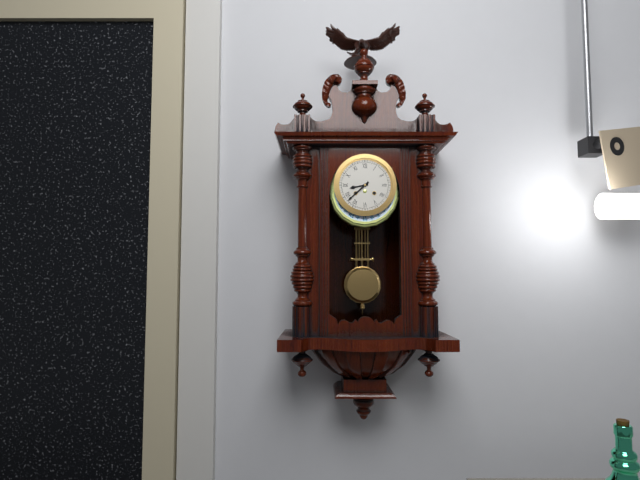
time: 8:38
